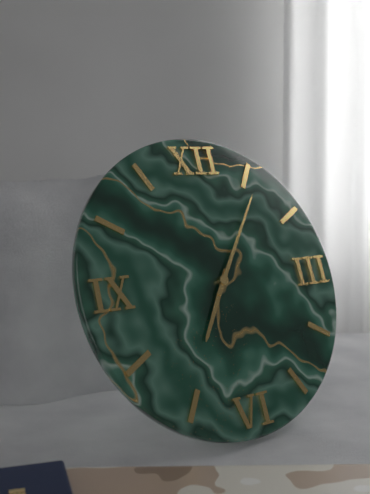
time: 7:06
